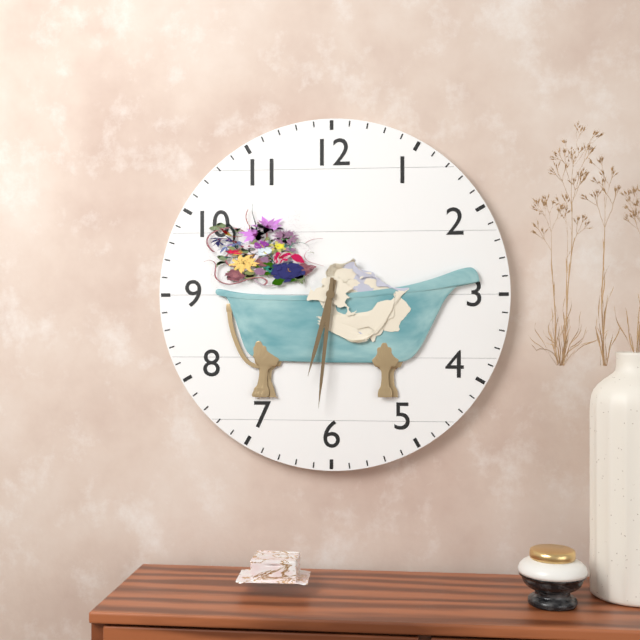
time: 6:31
